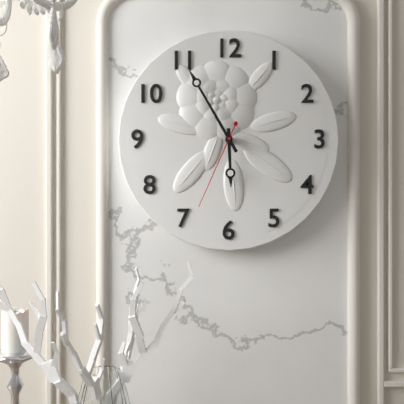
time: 5:55:34
